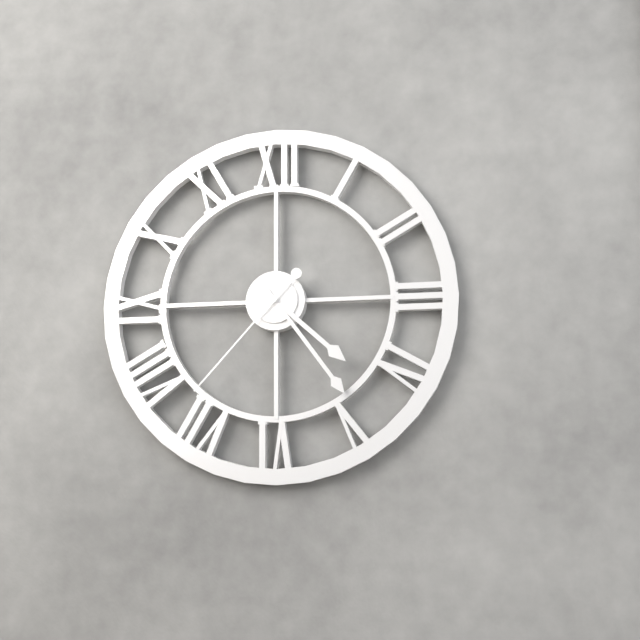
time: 4:24:37
